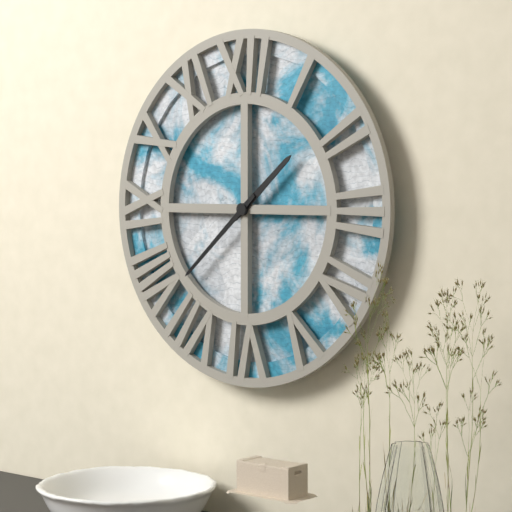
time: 1:38
